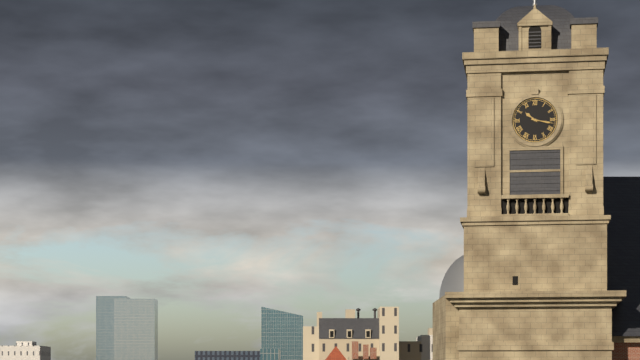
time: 10:17
